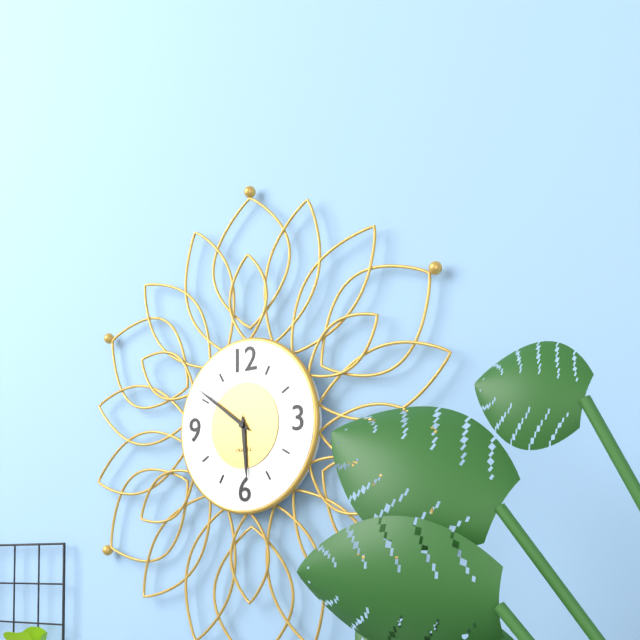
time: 5:51
